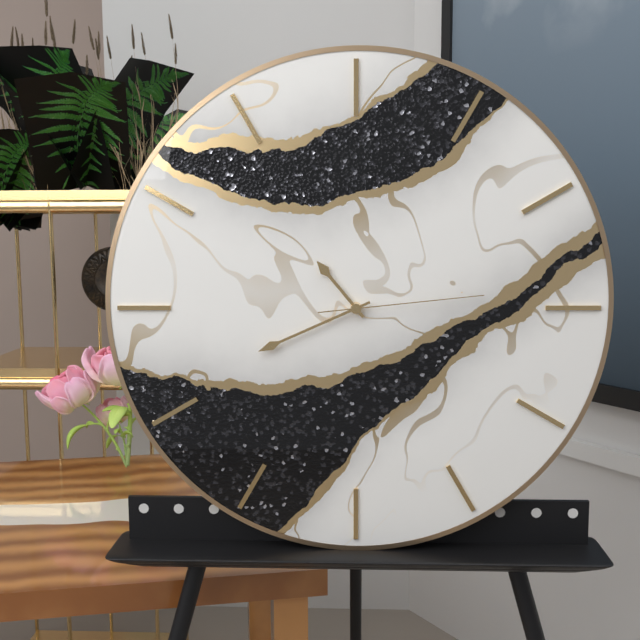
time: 10:41:14
